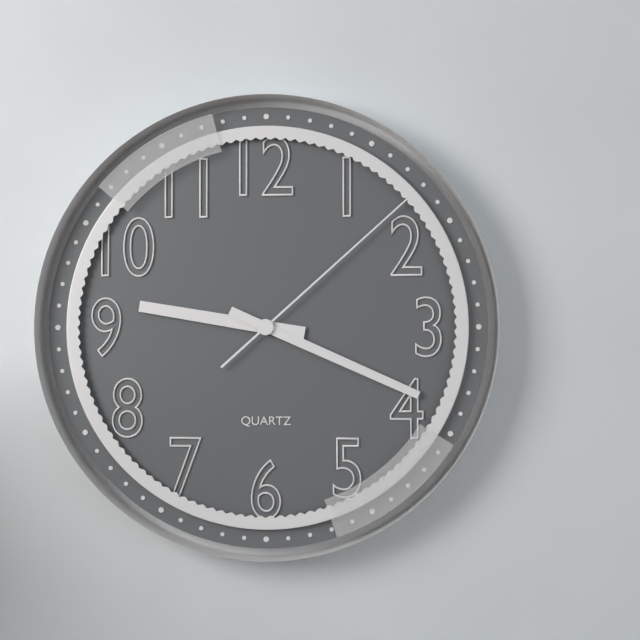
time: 9:19:08
